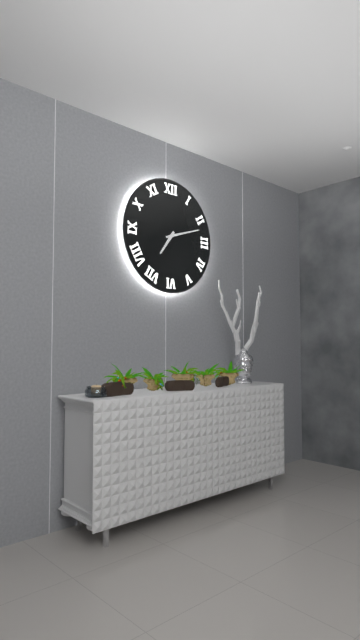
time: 7:12
